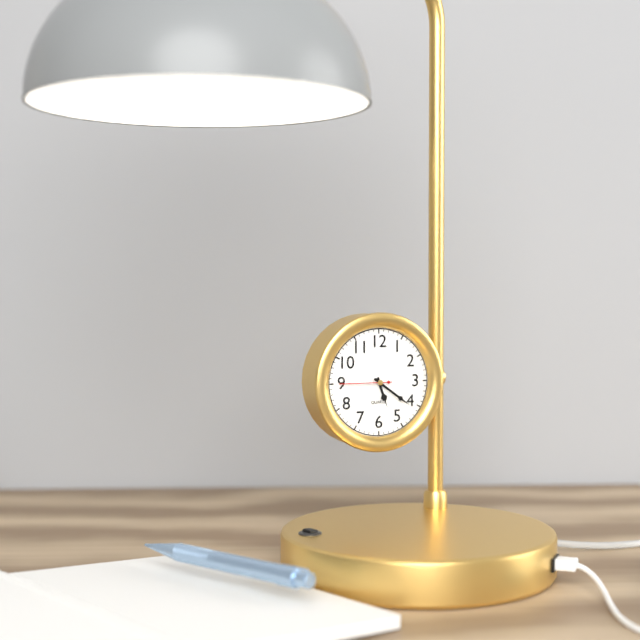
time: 5:21:45
